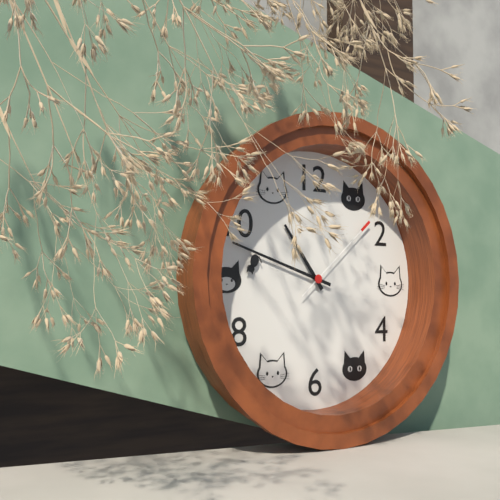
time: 10:48:08
